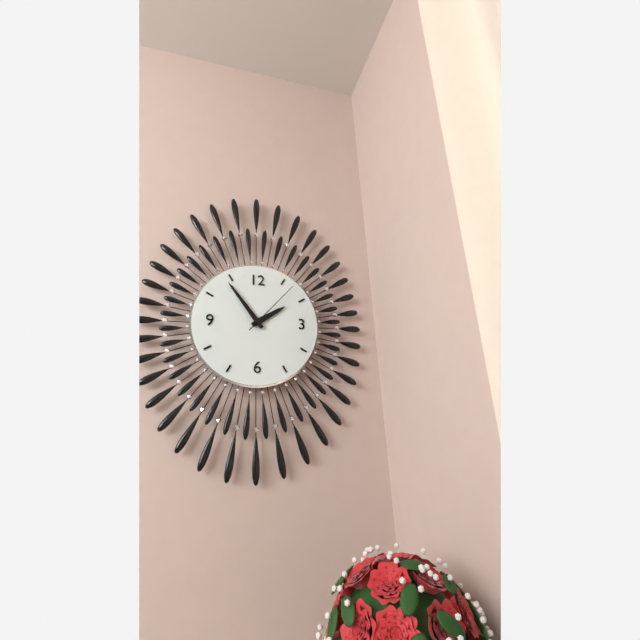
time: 1:54:07
